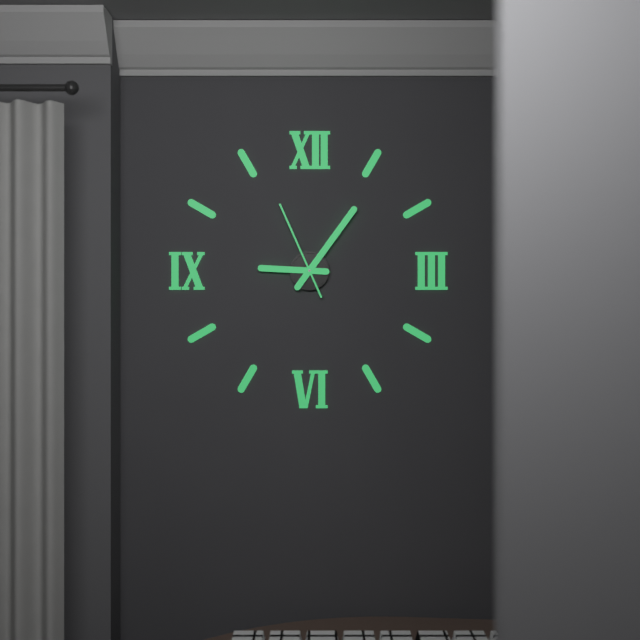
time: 9:06:56
